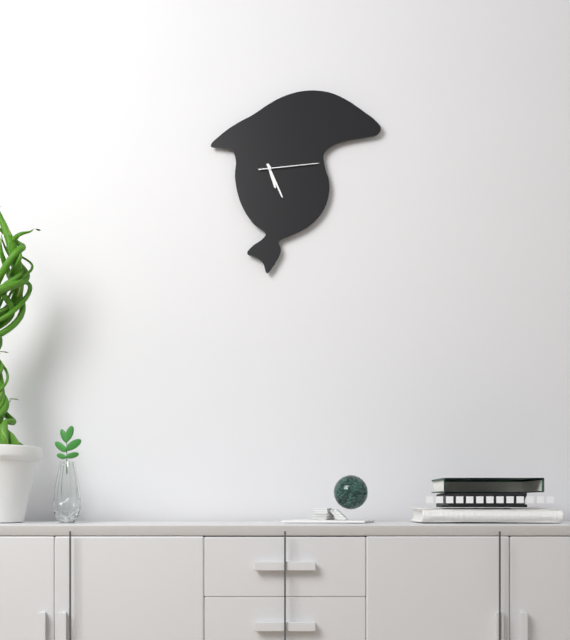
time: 5:26:14
